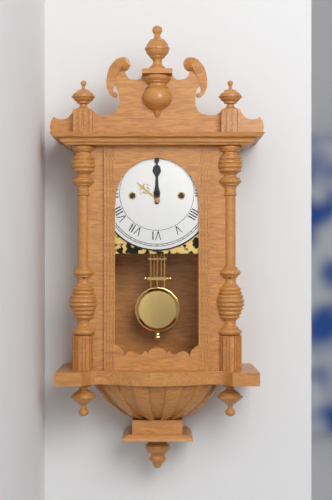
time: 12:00
